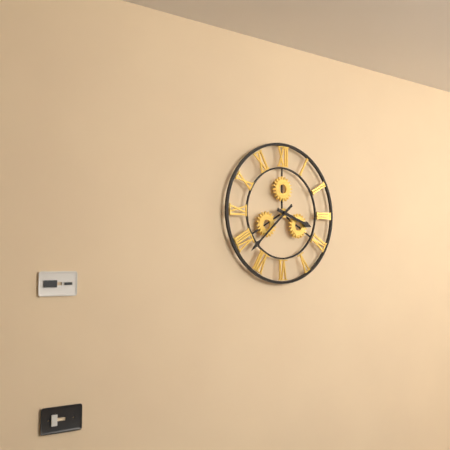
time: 3:38
